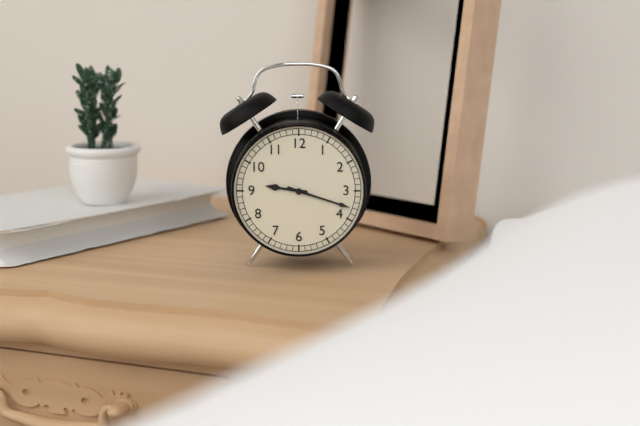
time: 9:18
